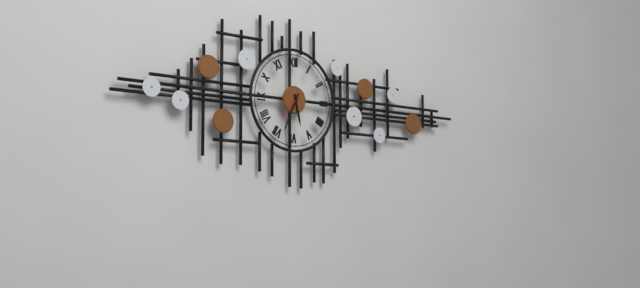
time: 5:34
